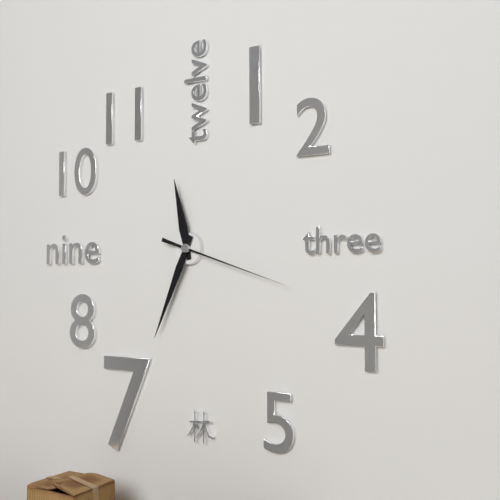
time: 11:34:18
